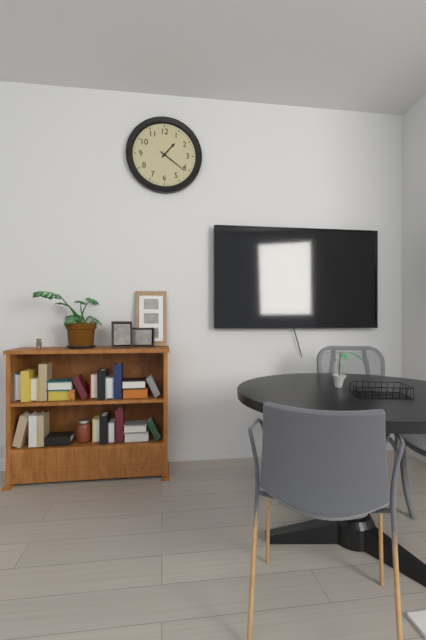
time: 1:21
